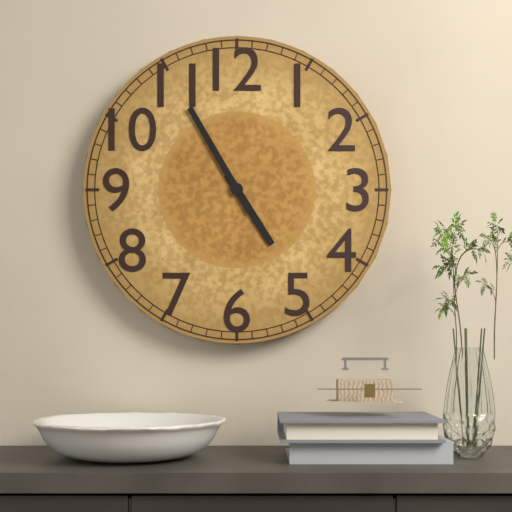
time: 4:55
